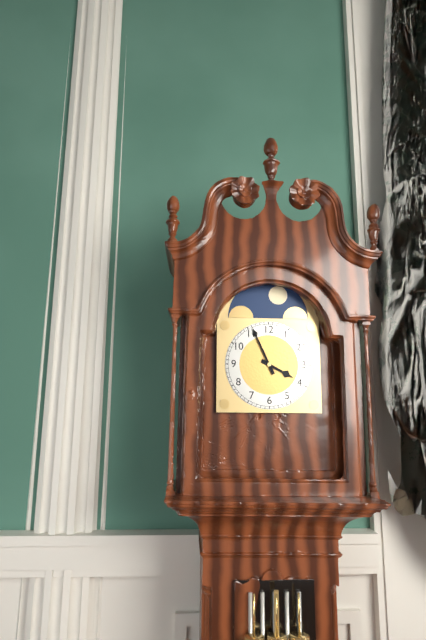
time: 3:56
